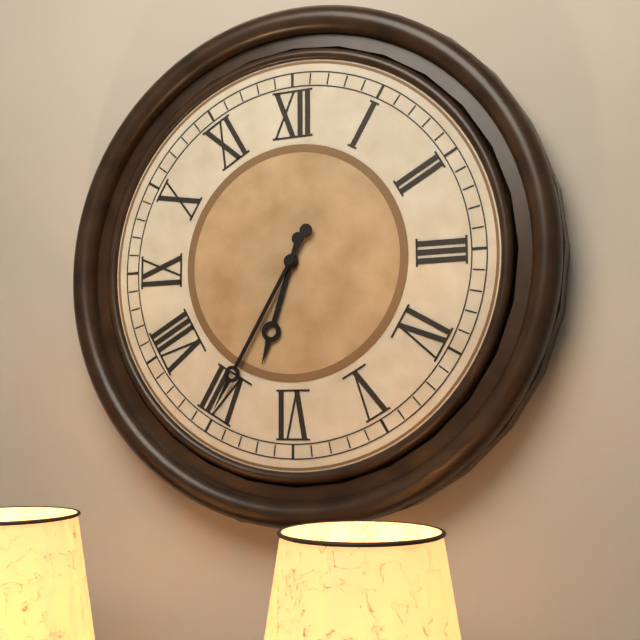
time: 6:35
